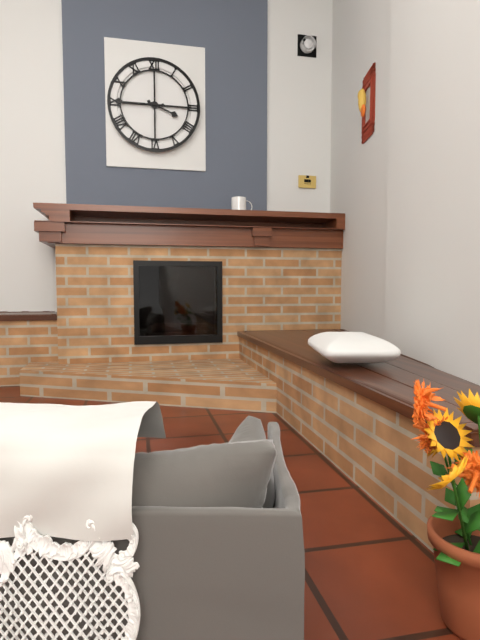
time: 3:45
